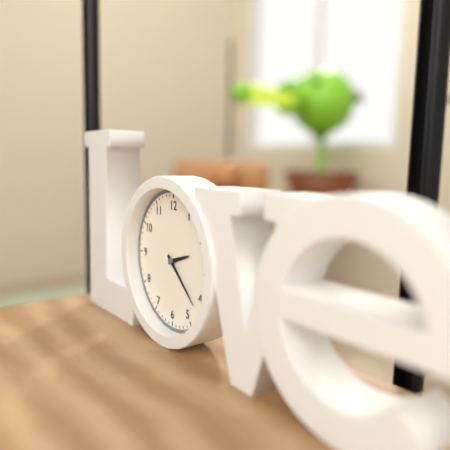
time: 2:22
